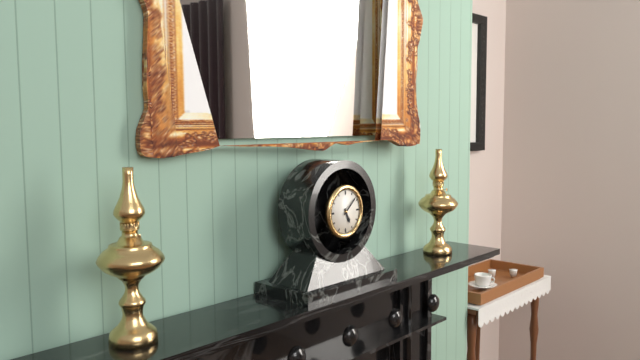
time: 5:08
